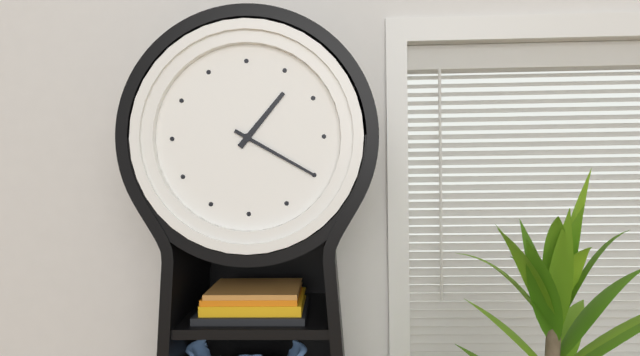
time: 1:20
